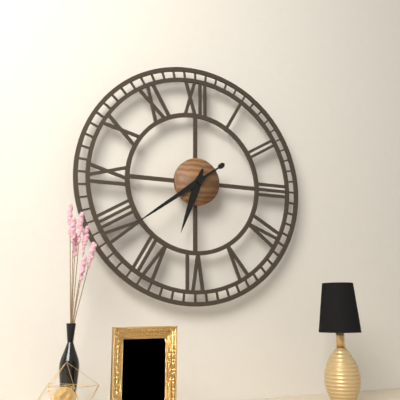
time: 6:39
